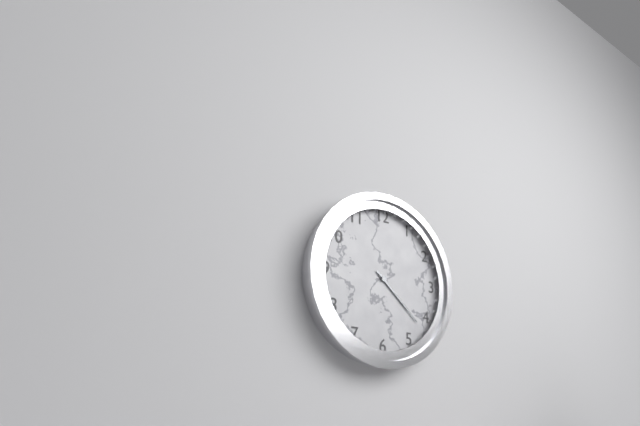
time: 4:22
